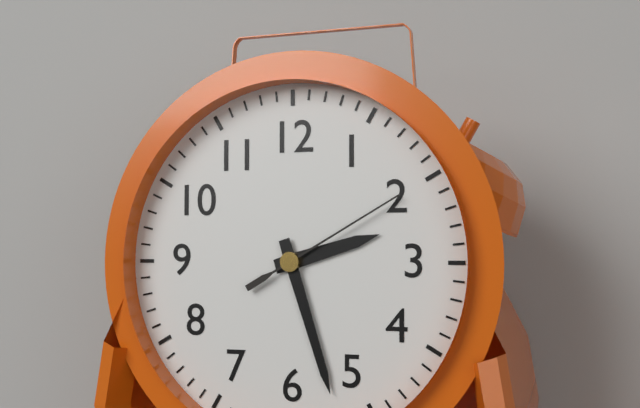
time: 2:27:10
